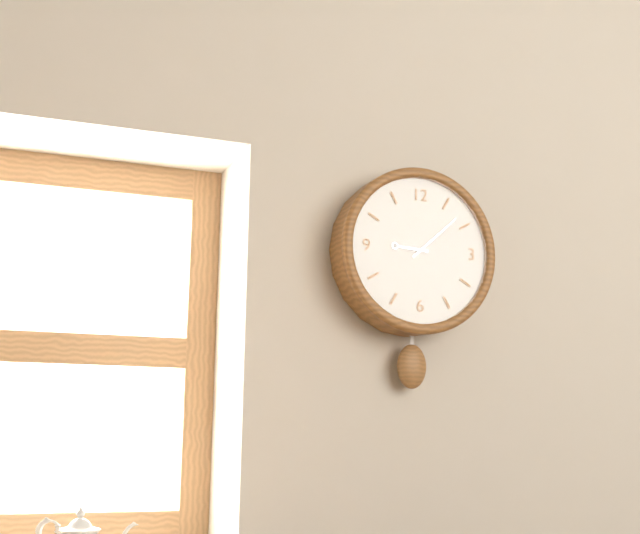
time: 9:08
